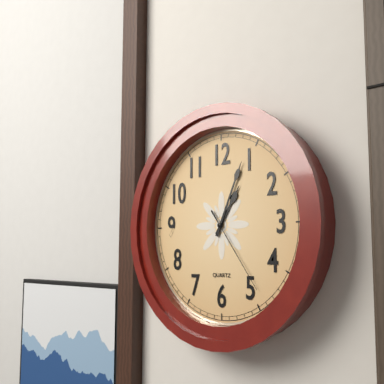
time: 1:04:24
